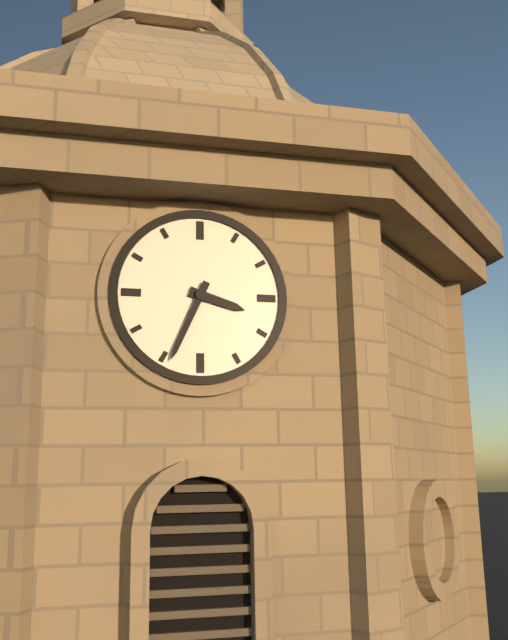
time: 3:34
